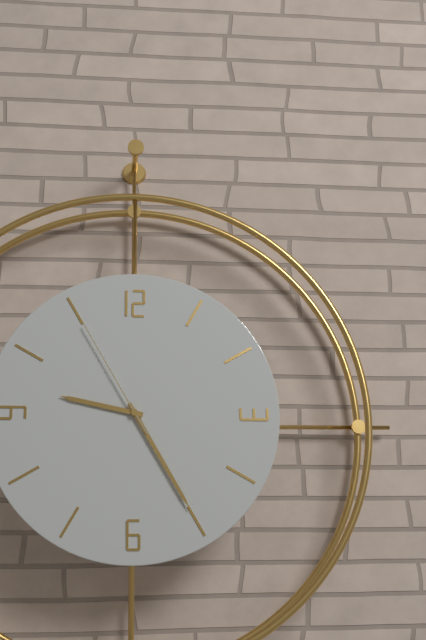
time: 9:25:55
